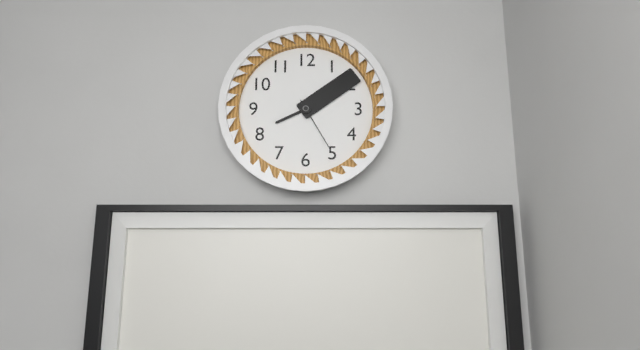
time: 8:09:25
